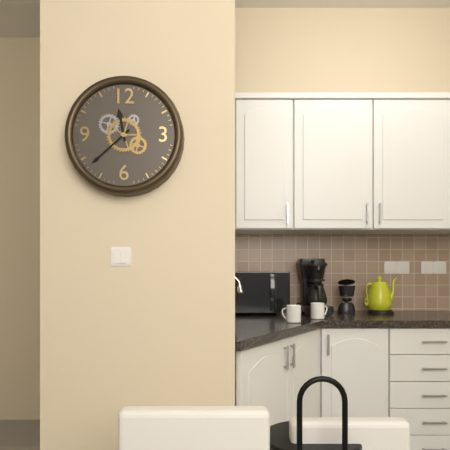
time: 11:38
